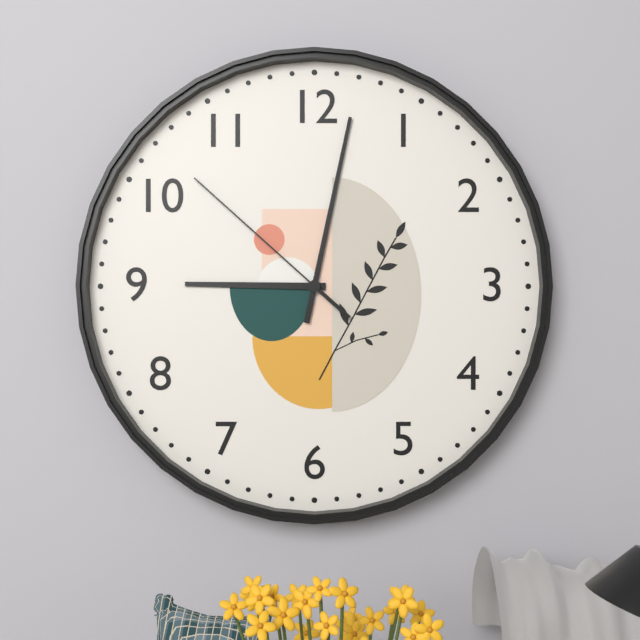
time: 9:02:52
